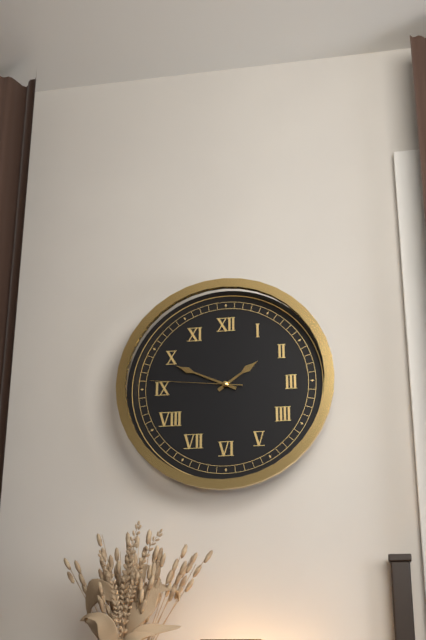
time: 1:49:46
